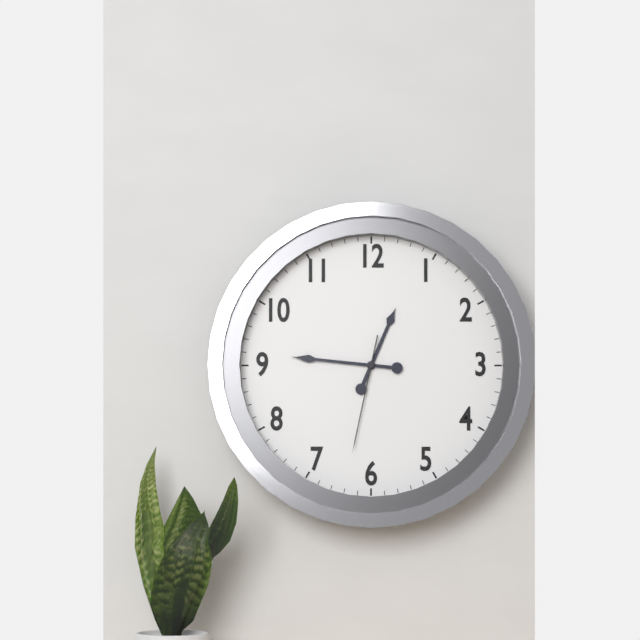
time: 12:46:32
